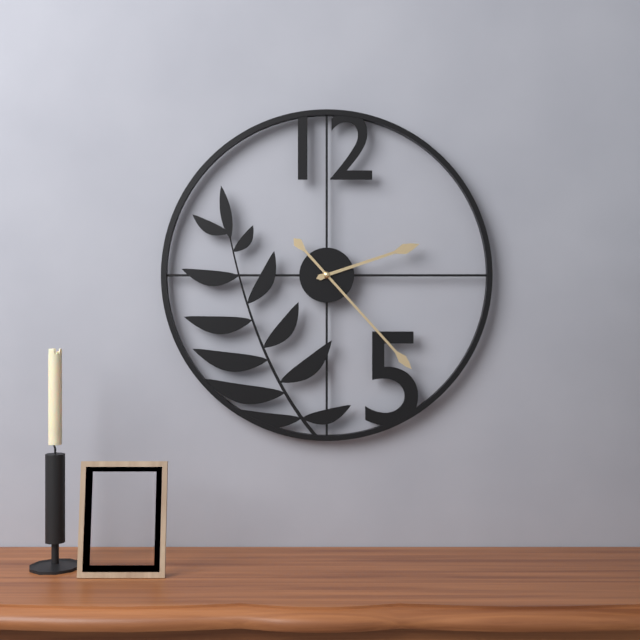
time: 2:23
